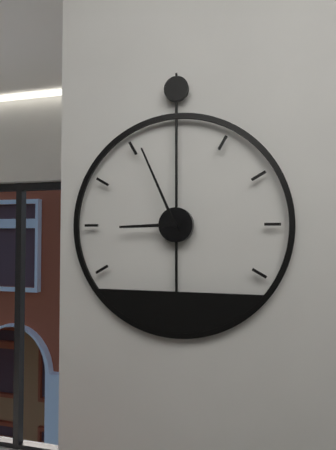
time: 8:56
